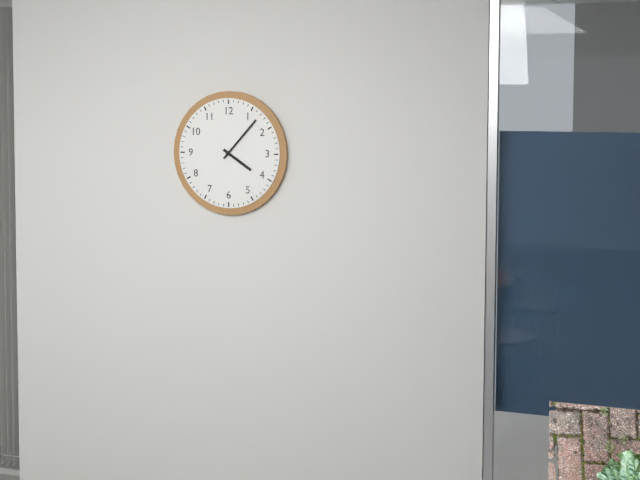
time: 4:07
